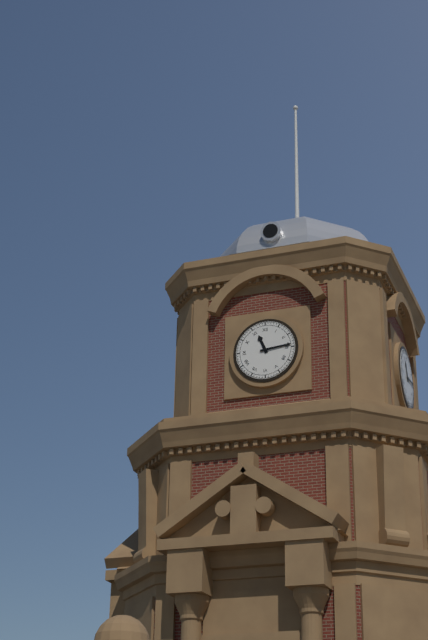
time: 11:14
